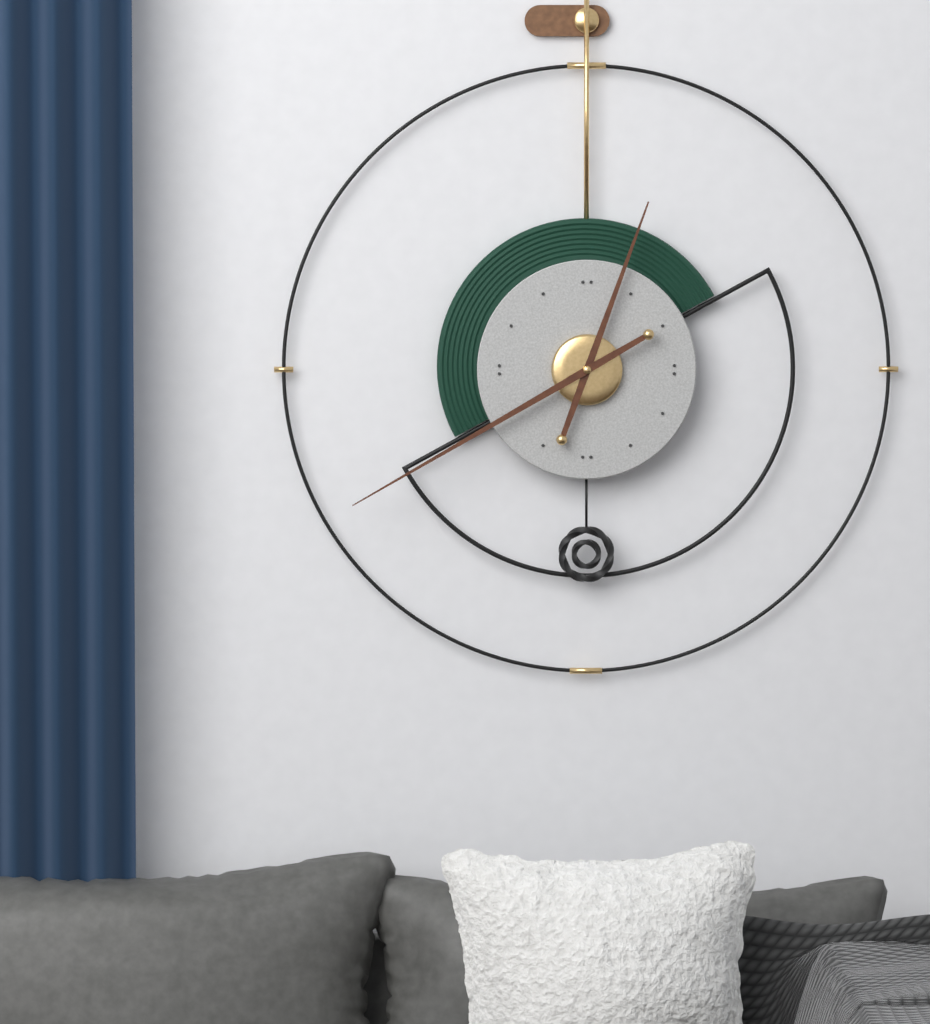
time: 12:40
